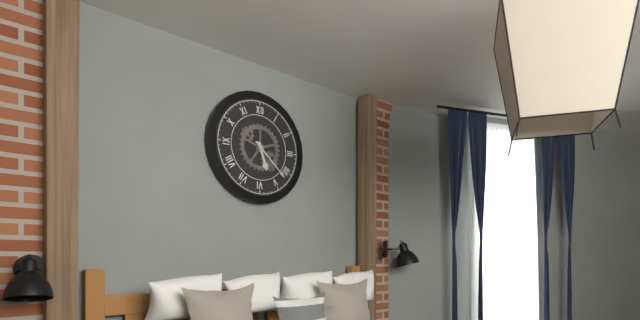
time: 5:22
